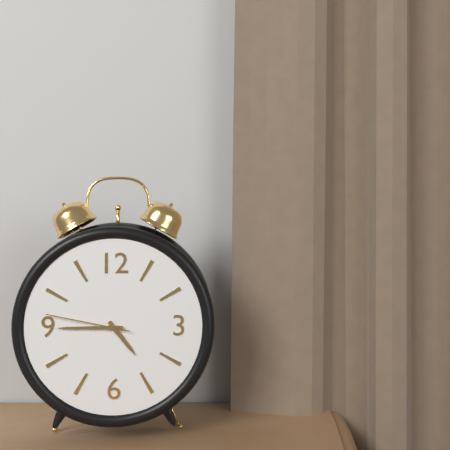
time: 4:45:47
